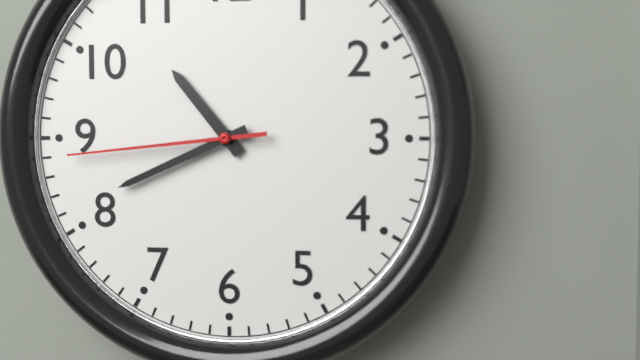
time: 10:41:44
